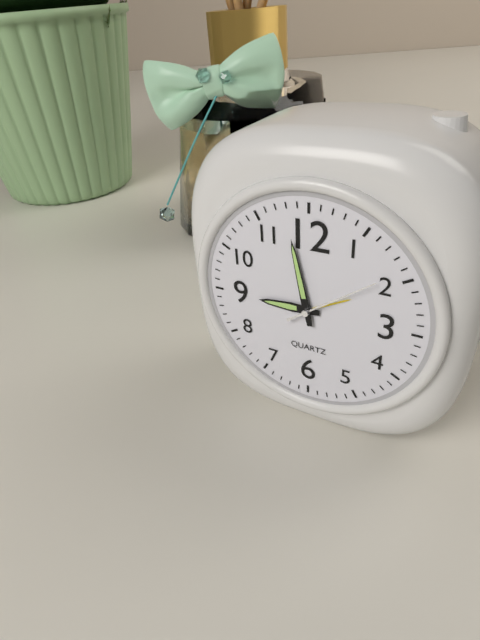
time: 8:58:09
